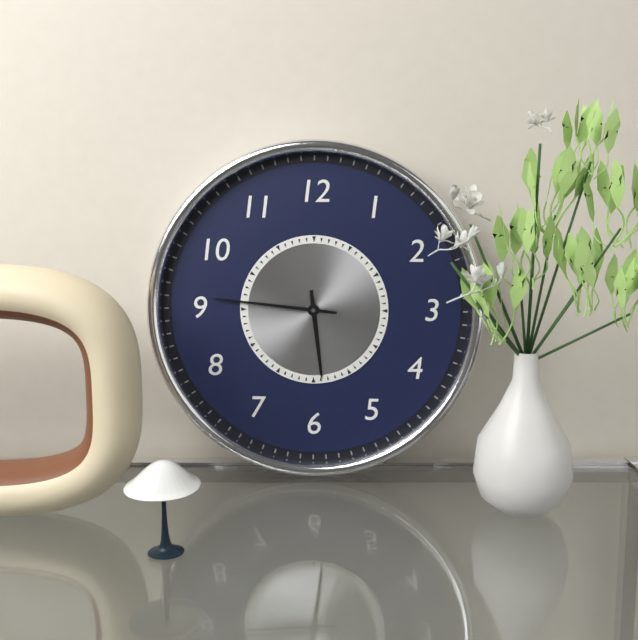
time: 5:46
